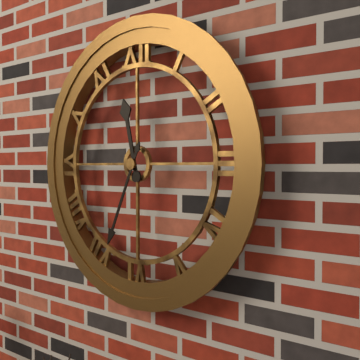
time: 11:34
